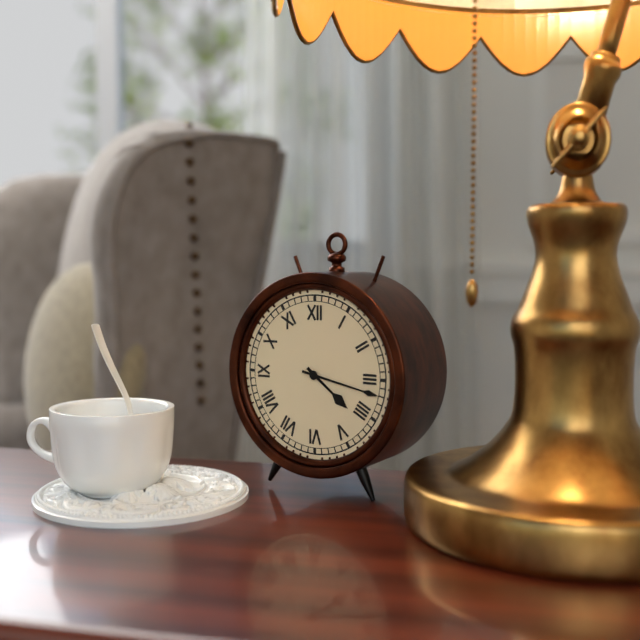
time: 4:17
